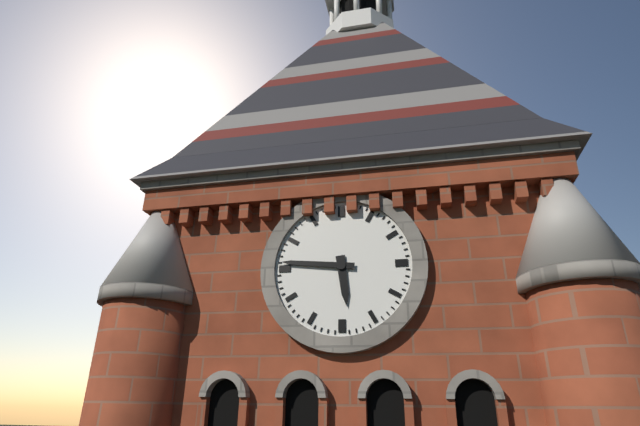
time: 5:46
